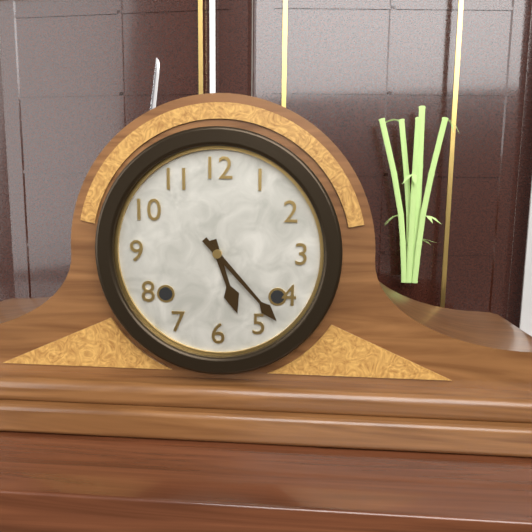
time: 5:23
